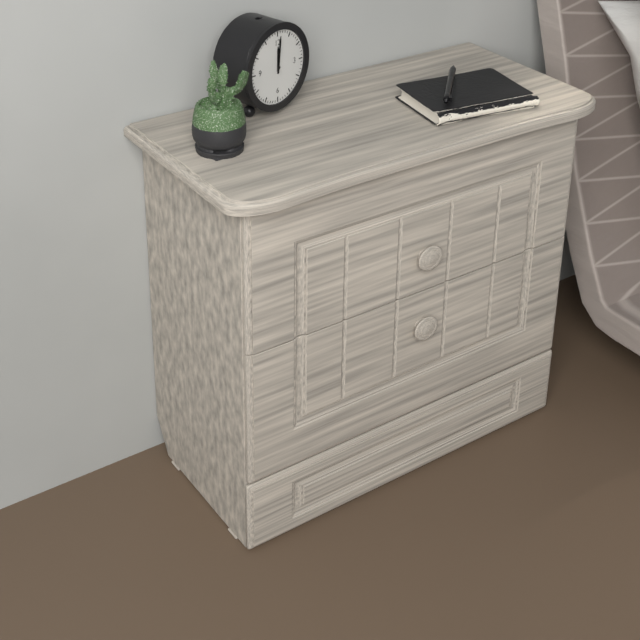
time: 12:01
